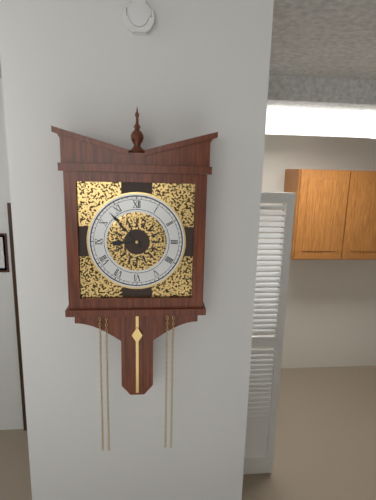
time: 8:53
